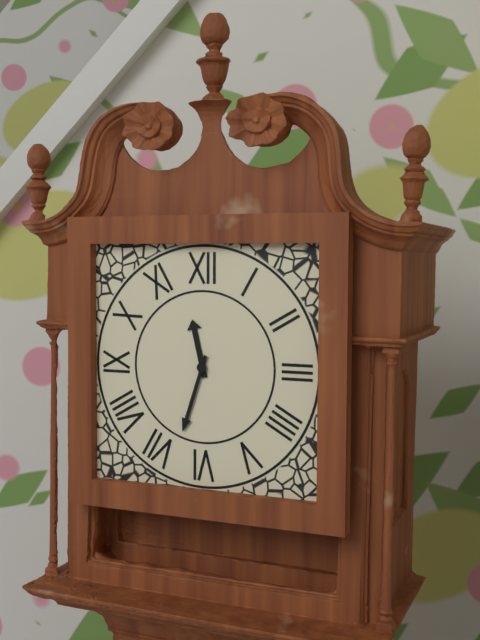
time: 11:33
